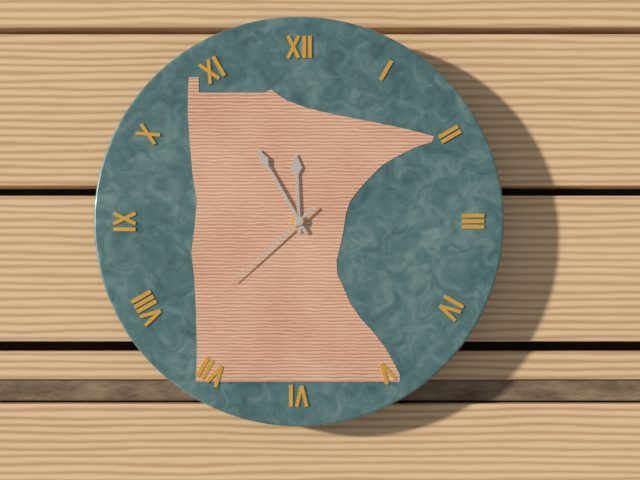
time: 11:55:38
